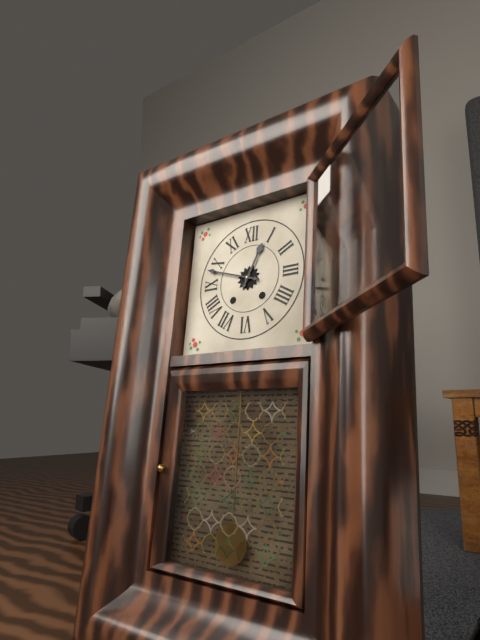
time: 12:48
